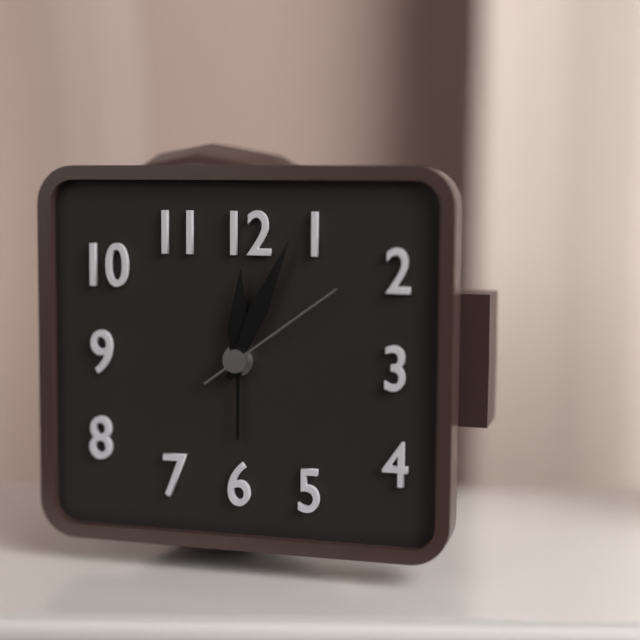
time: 12:04:09
